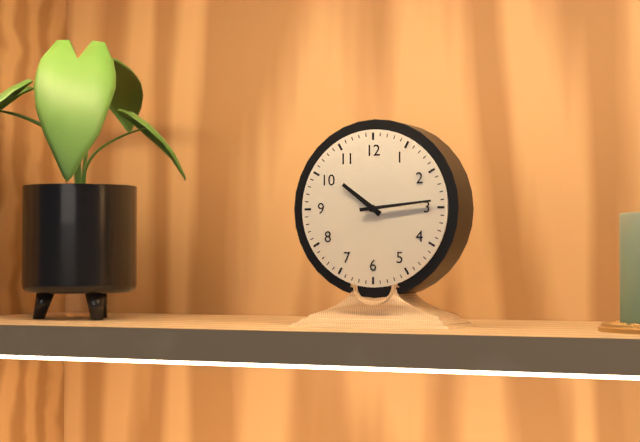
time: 10:14
